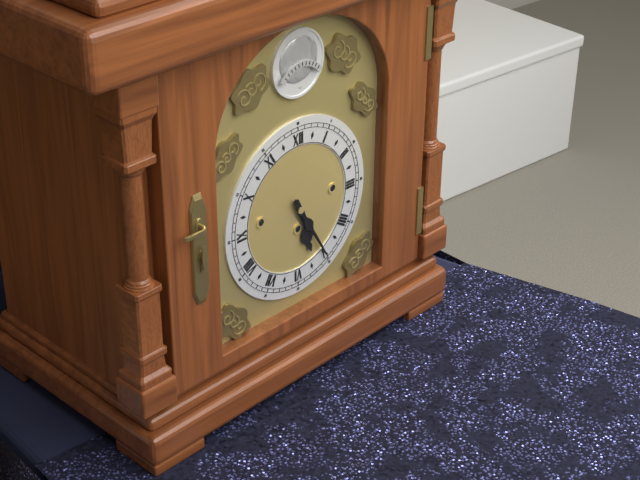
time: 5:25
